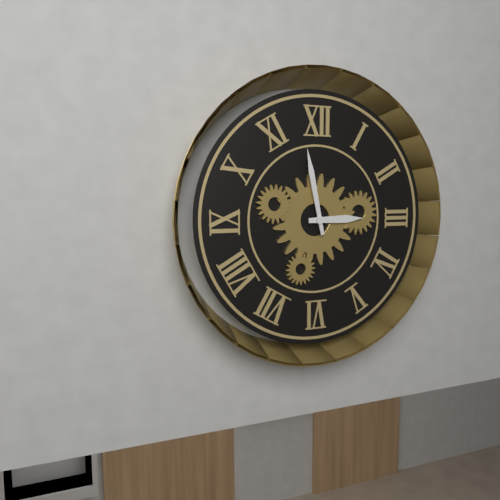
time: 2:58
